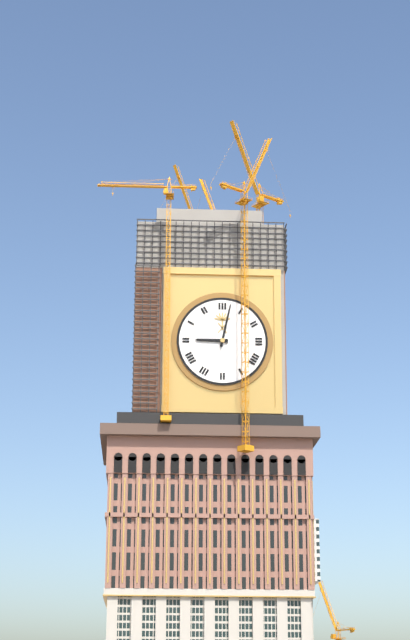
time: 9:02
